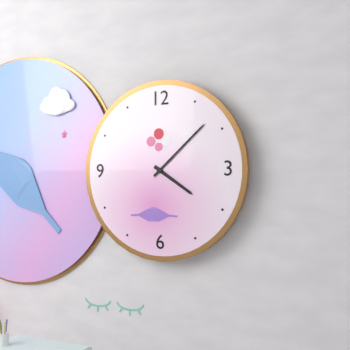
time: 4:08
